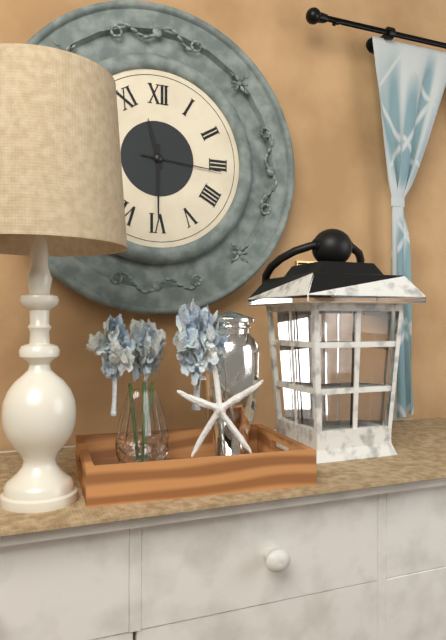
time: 11:30:16
